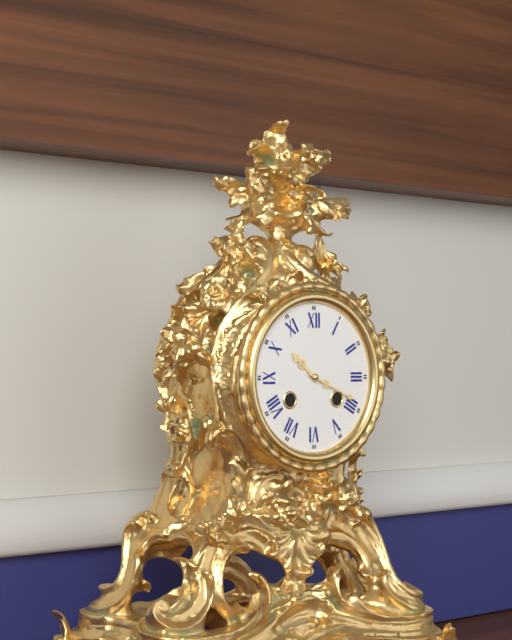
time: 10:19
